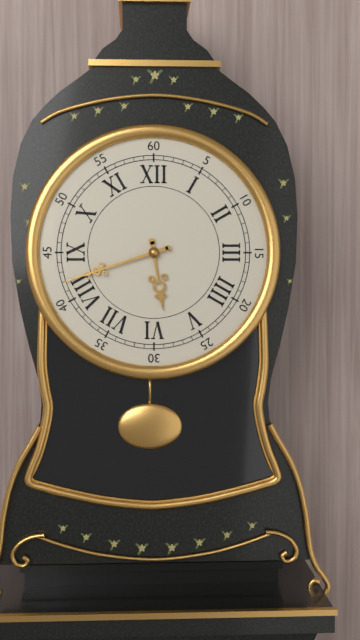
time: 5:42
